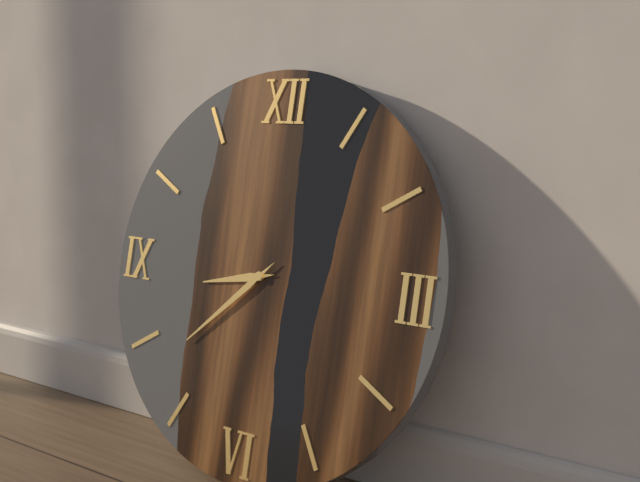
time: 8:38
